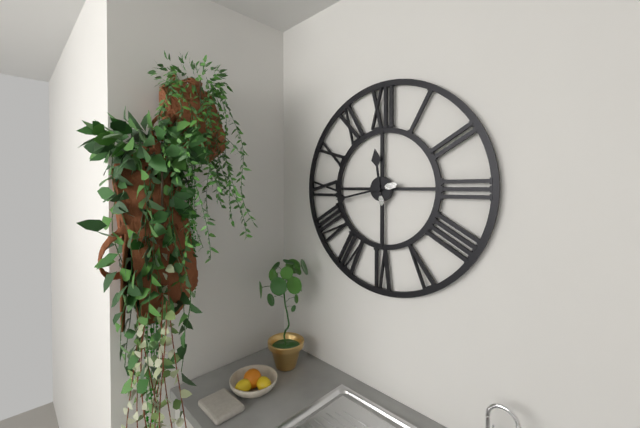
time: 11:43
